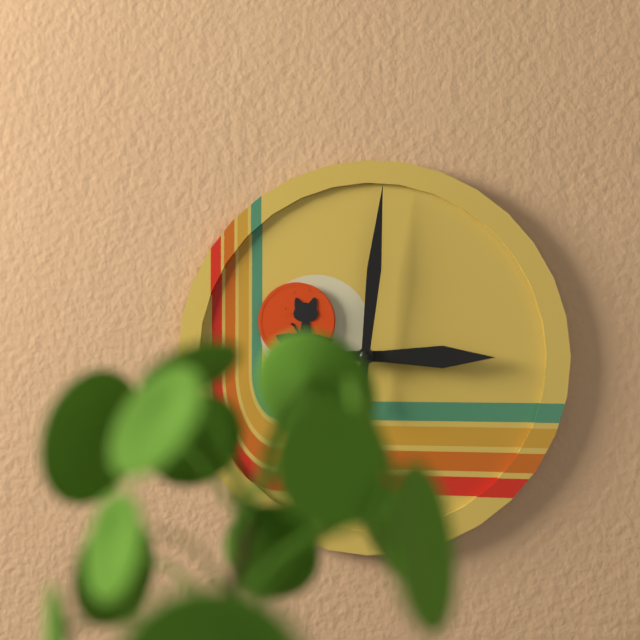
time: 3:01
